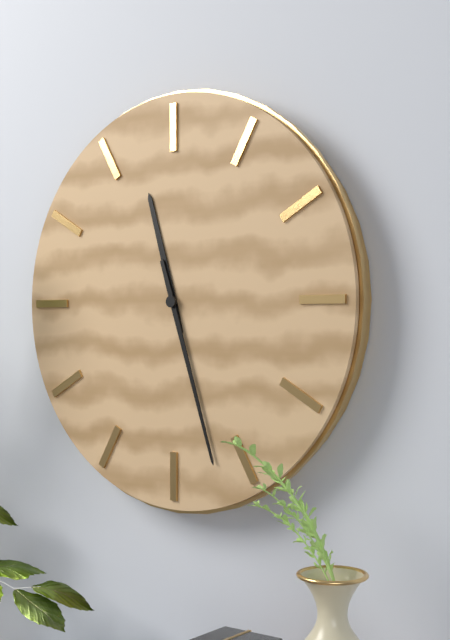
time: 11:27
